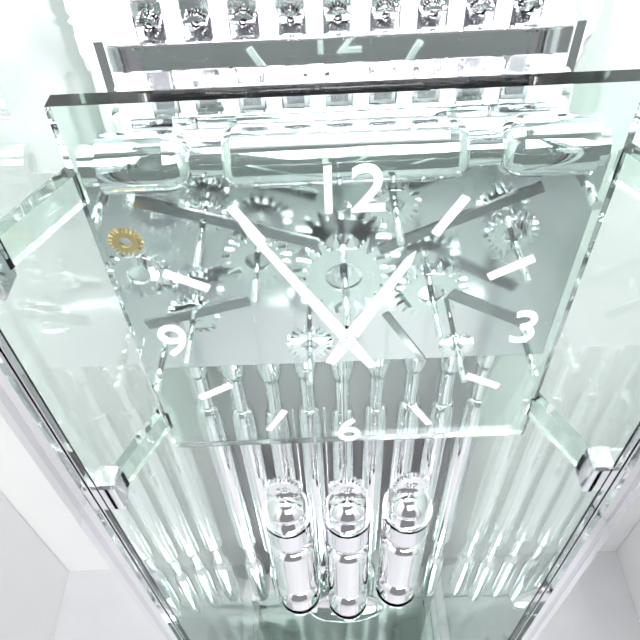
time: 12:55
